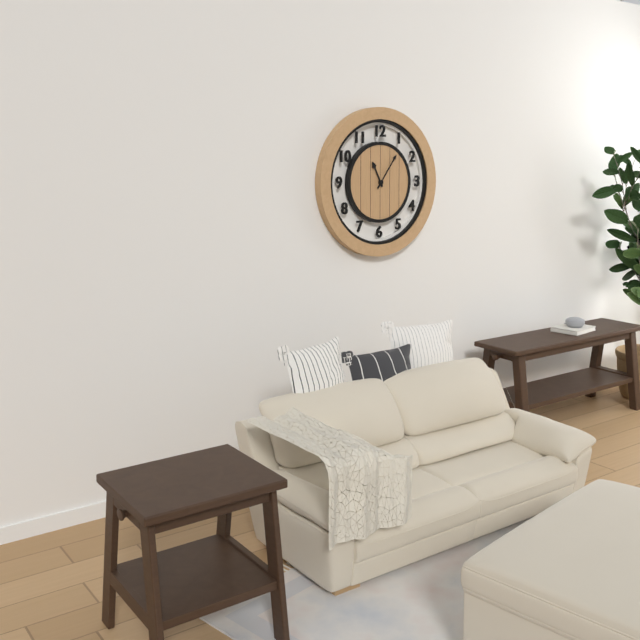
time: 11:06
